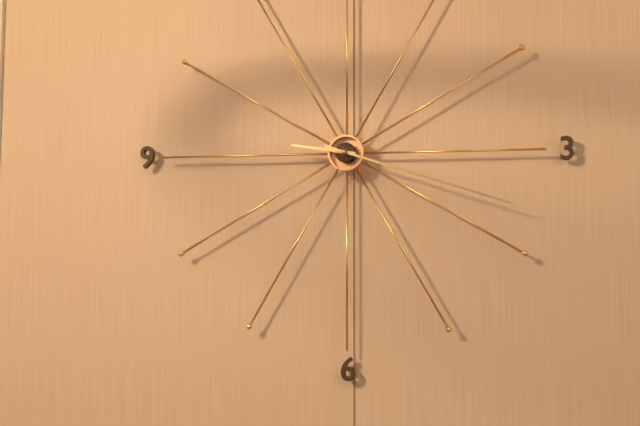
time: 9:18
